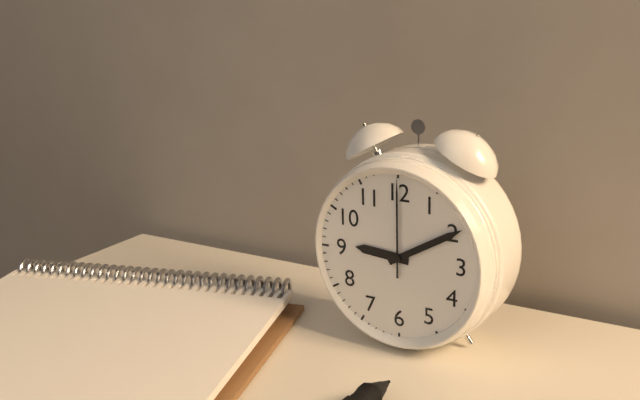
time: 9:10:00
